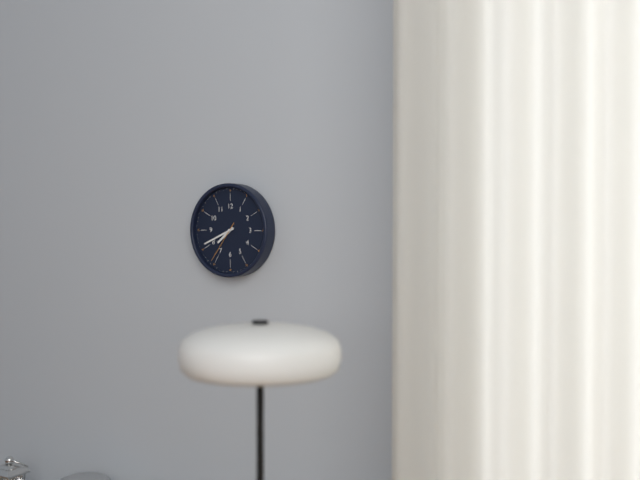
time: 7:41
